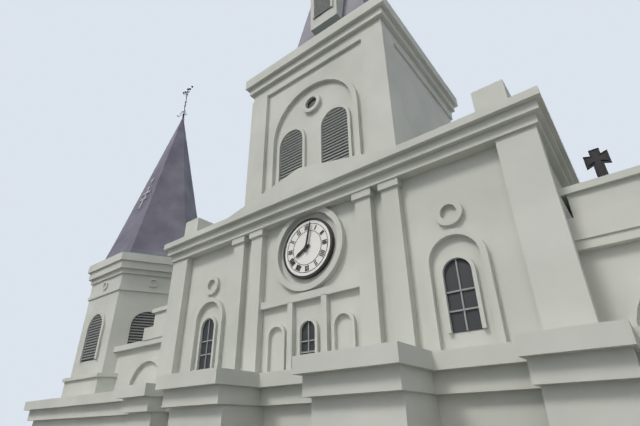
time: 8:02
